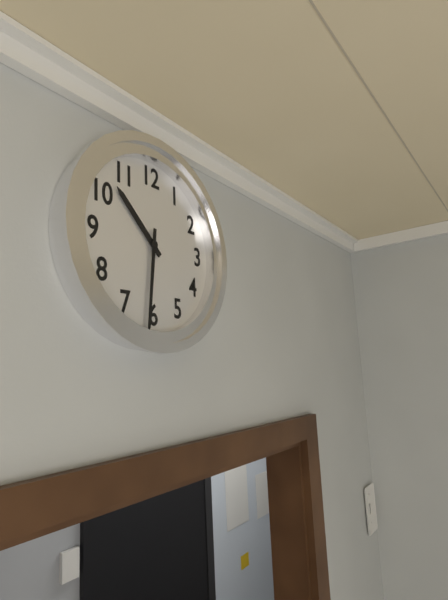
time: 10:31
